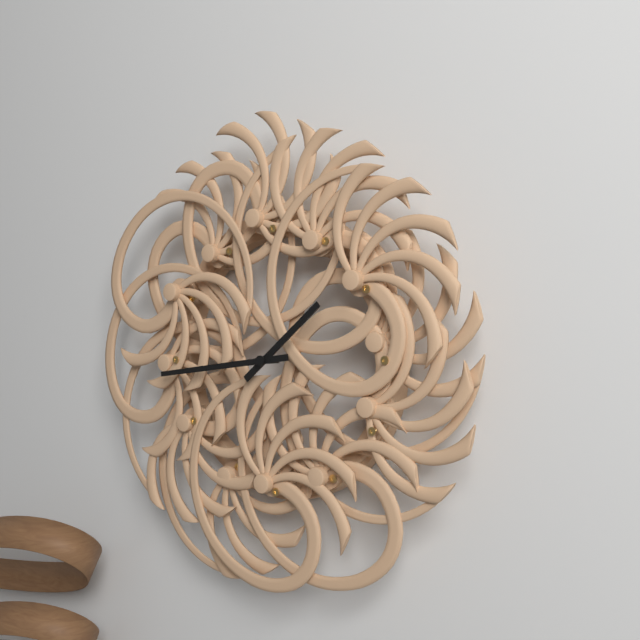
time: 1:44
